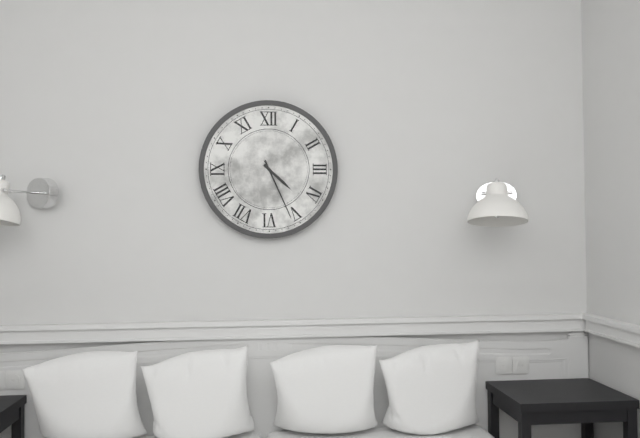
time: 4:26
